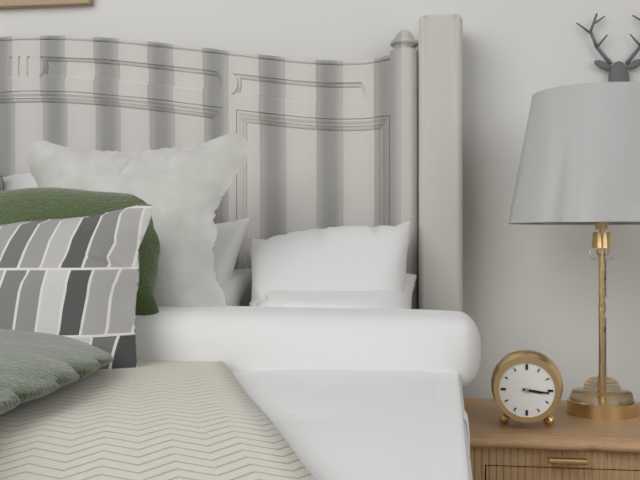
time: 3:16
